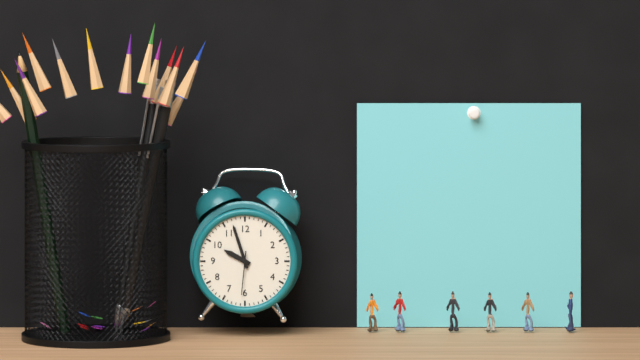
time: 9:57
